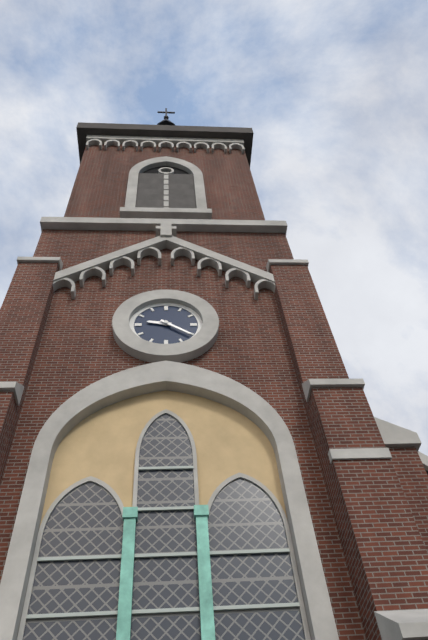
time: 9:21
